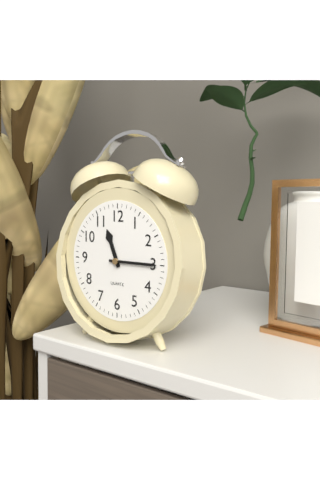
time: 11:15
